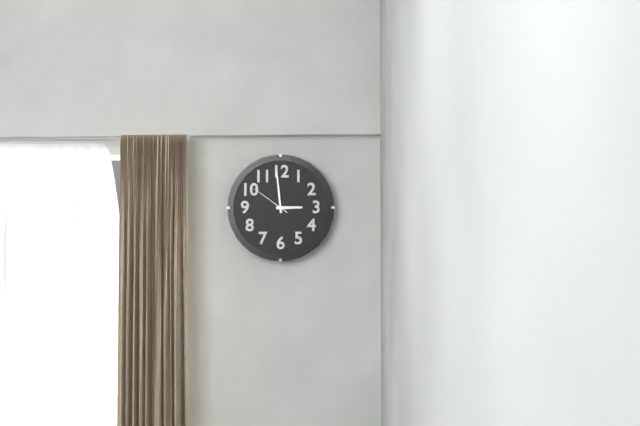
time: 2:59
